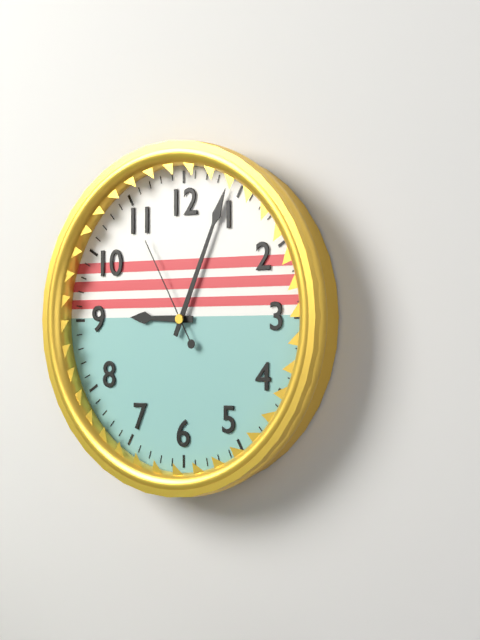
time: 9:04:55
